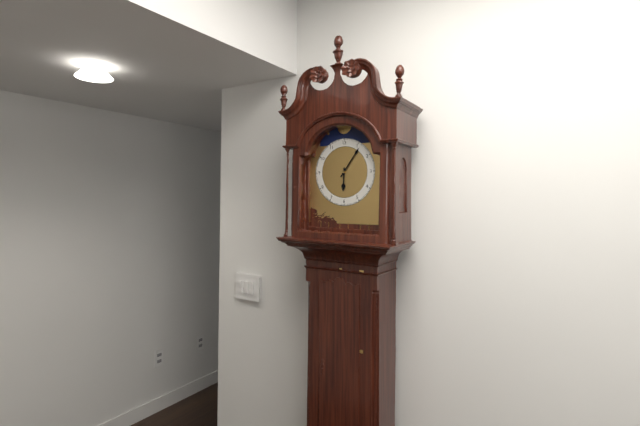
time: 6:06
